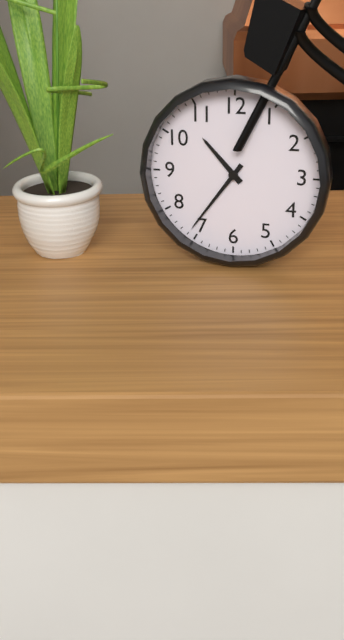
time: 10:36
